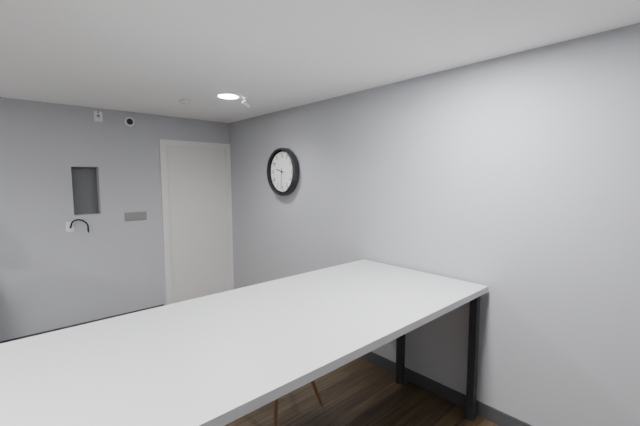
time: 9:31
